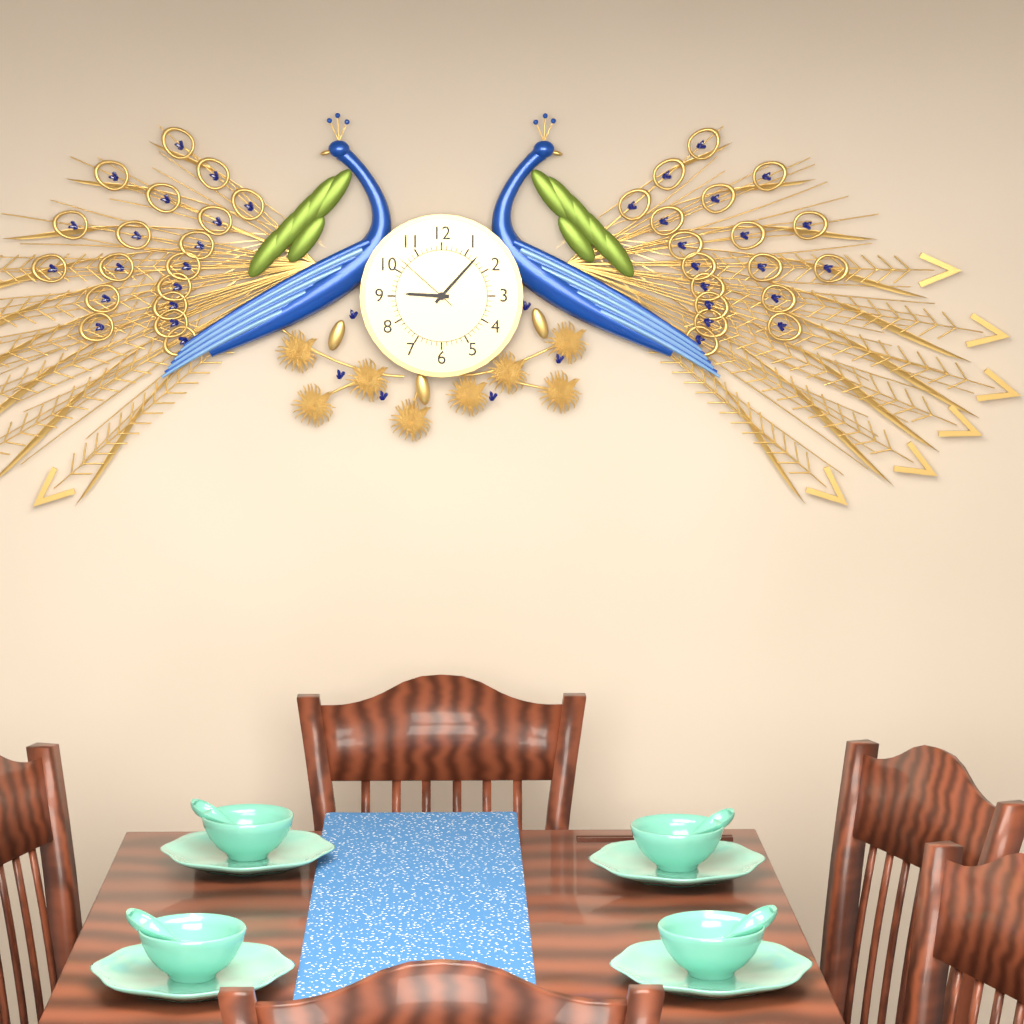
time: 9:07:52
